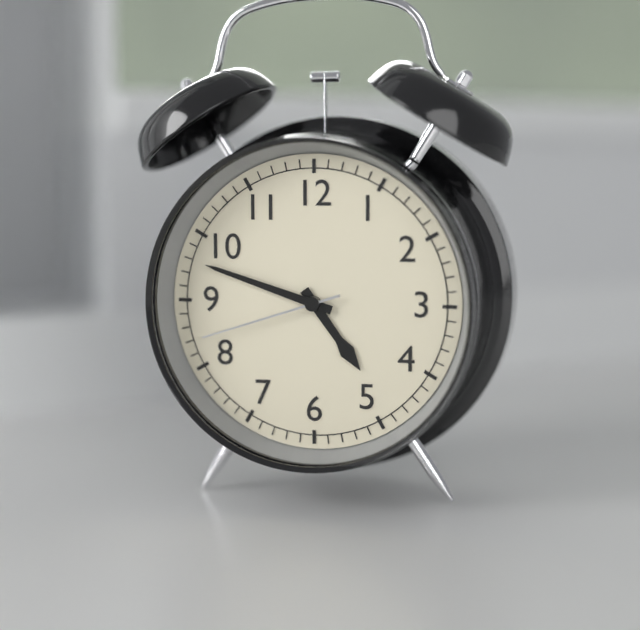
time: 4:48:42
